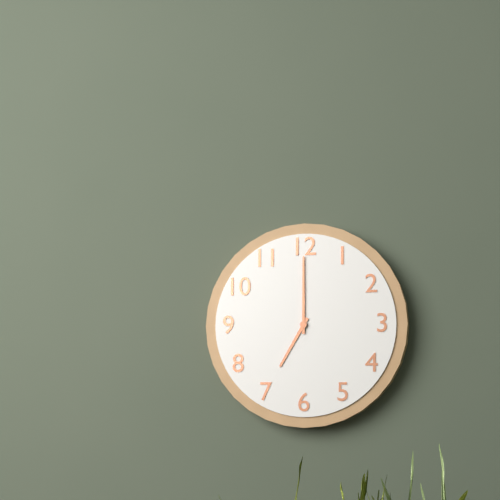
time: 7:00
